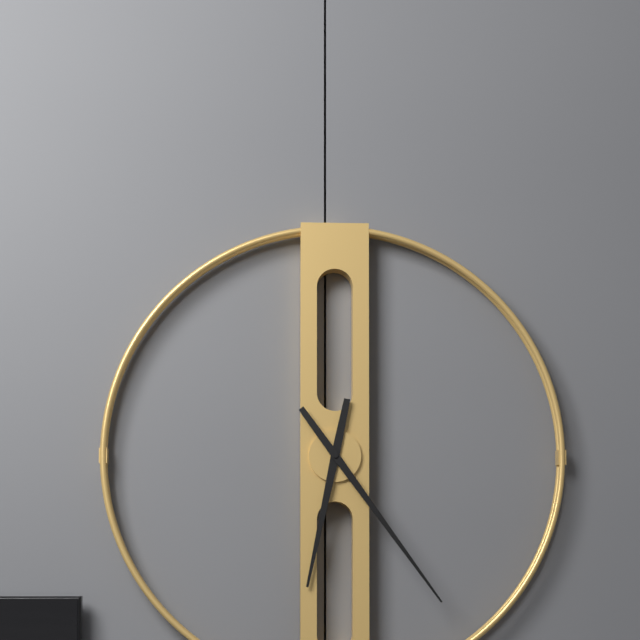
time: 6:24
